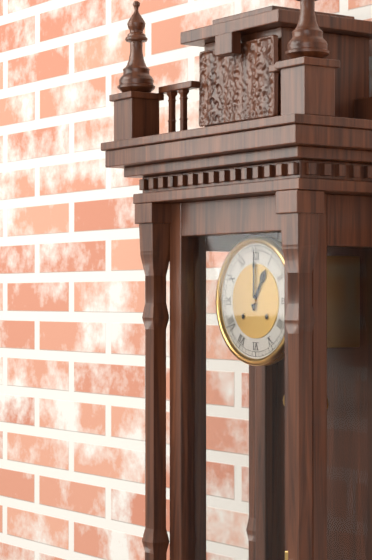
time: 1:00
